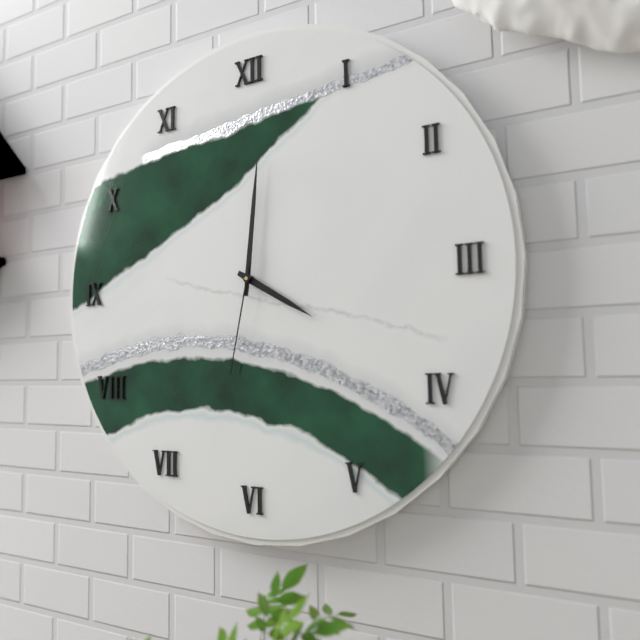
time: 4:01:32
